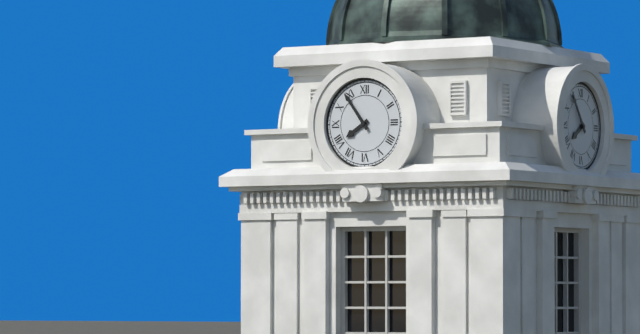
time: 7:54
